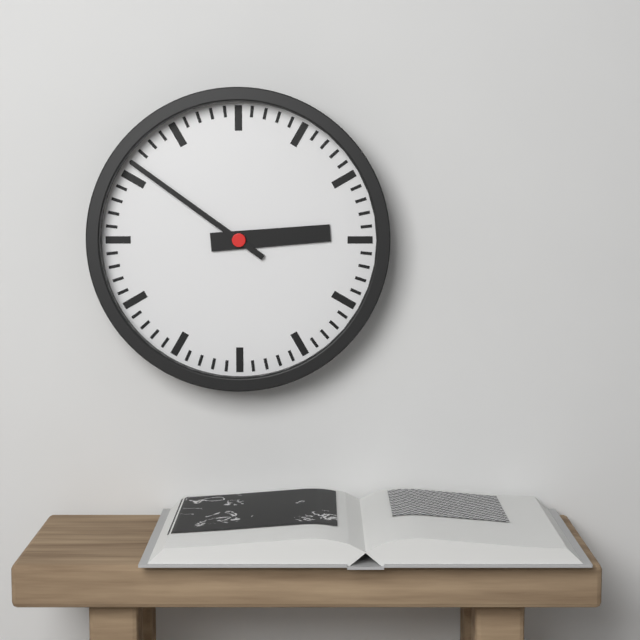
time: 2:51
